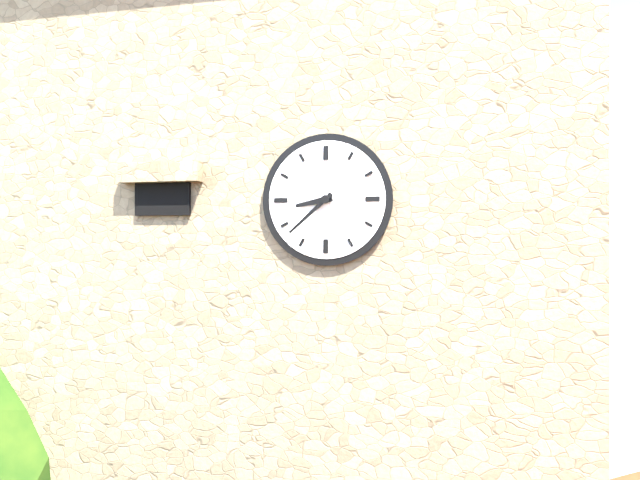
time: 8:38
